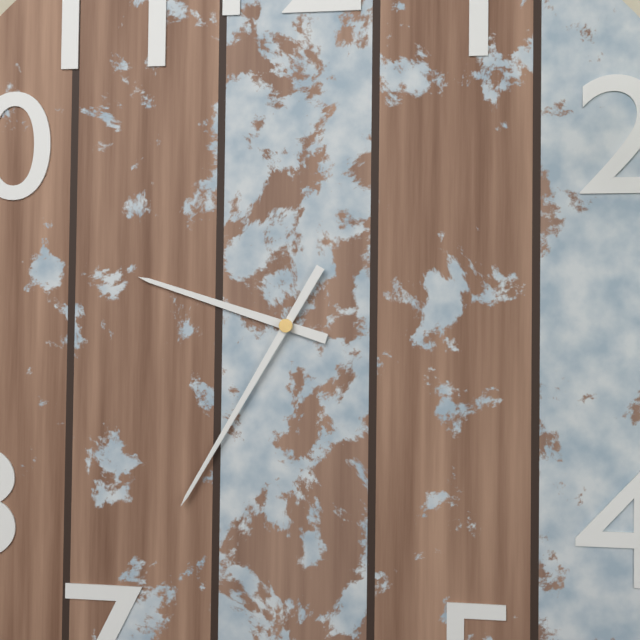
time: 9:35
